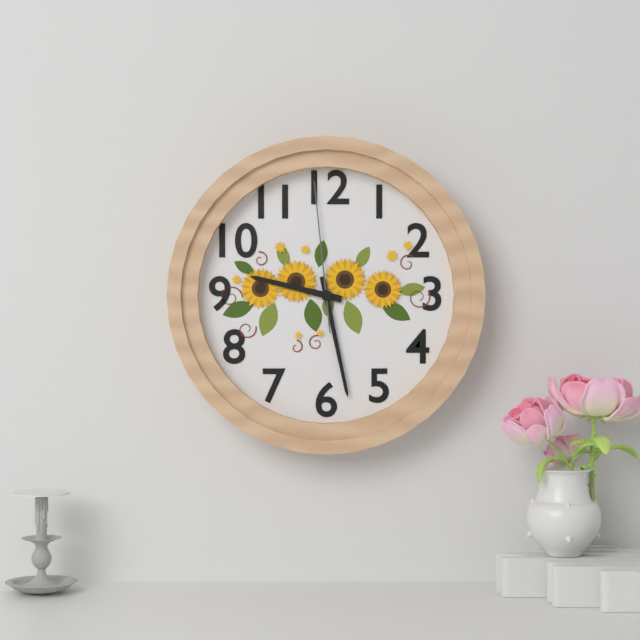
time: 9:28:59
